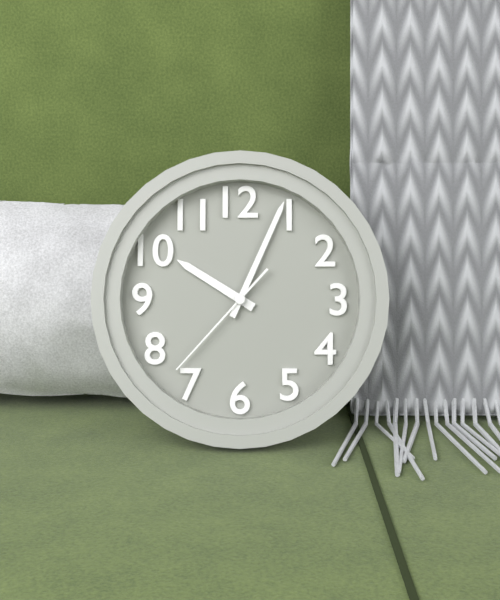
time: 10:04:37
